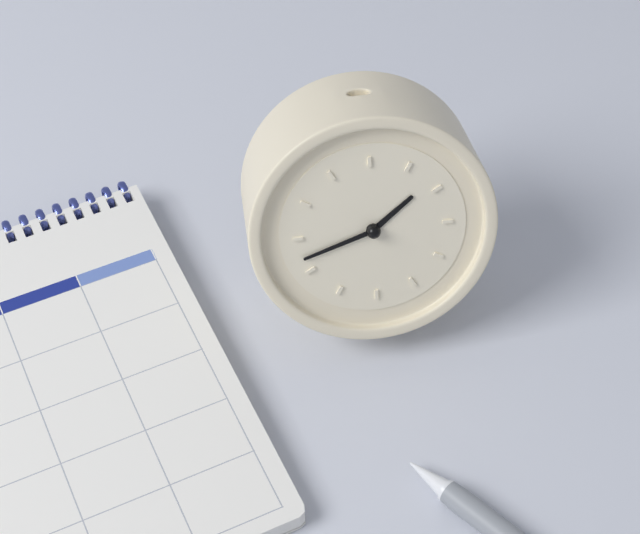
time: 1:42
